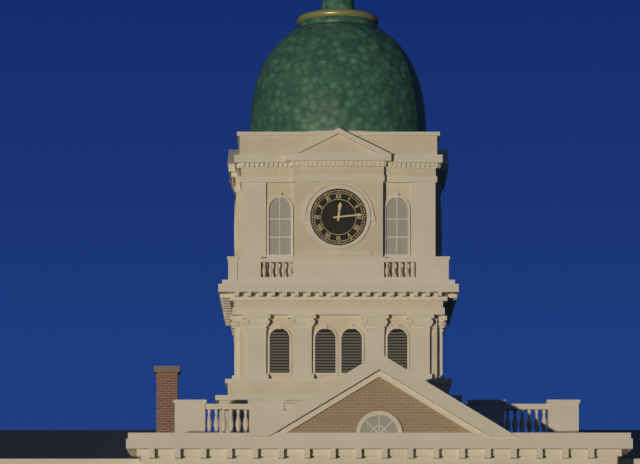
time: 12:14
